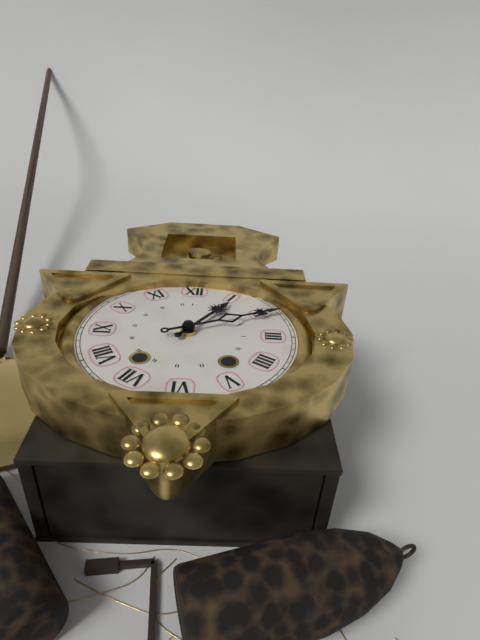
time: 1:11
